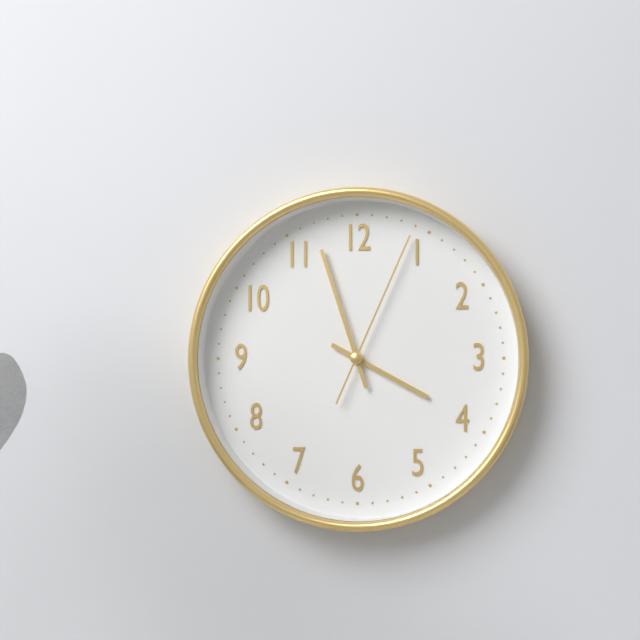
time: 3:57:04
